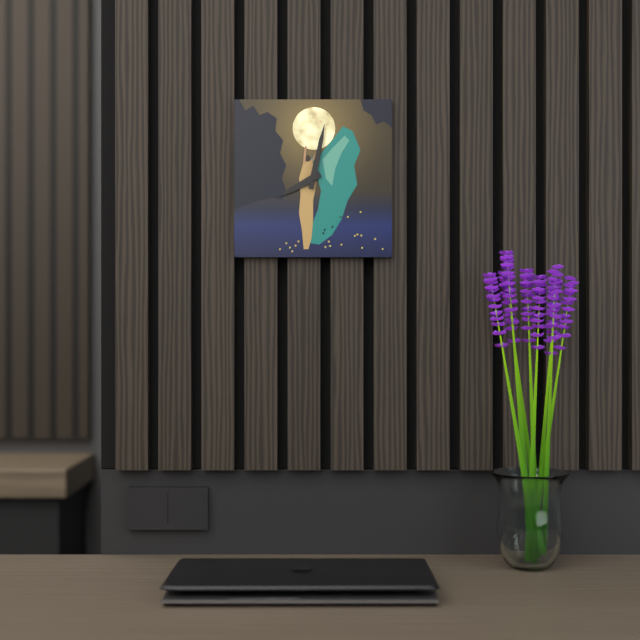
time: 8:02
